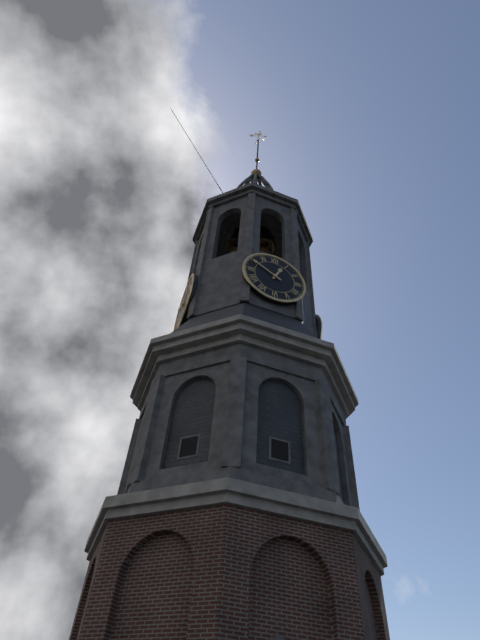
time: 12:50
